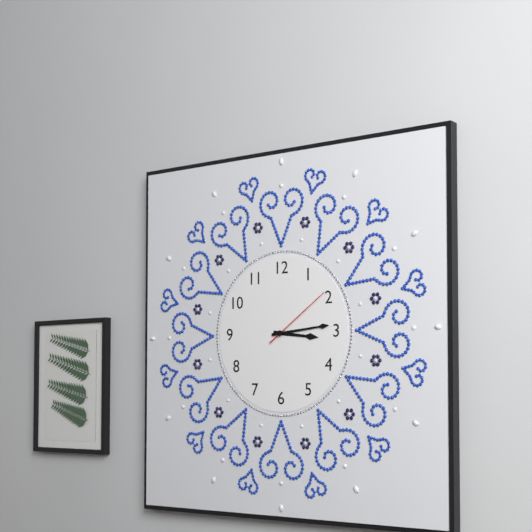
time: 3:14:09
